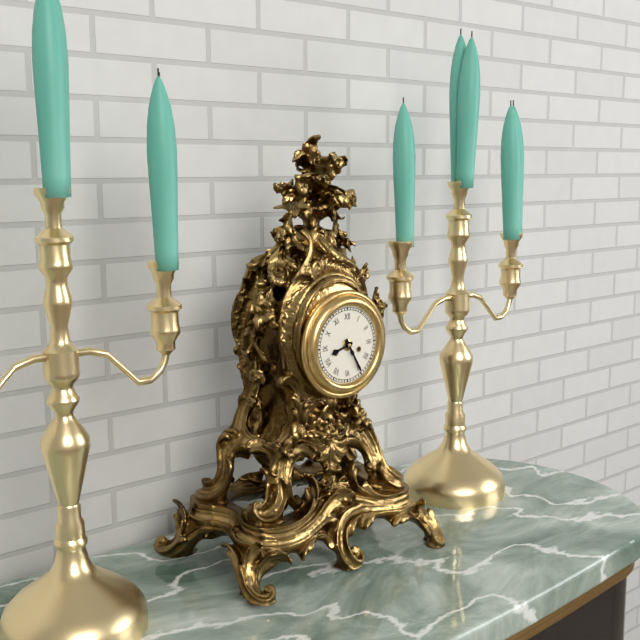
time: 8:25
